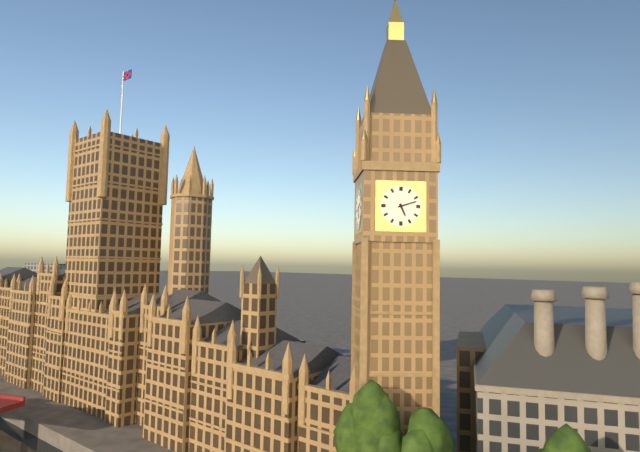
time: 5:12
